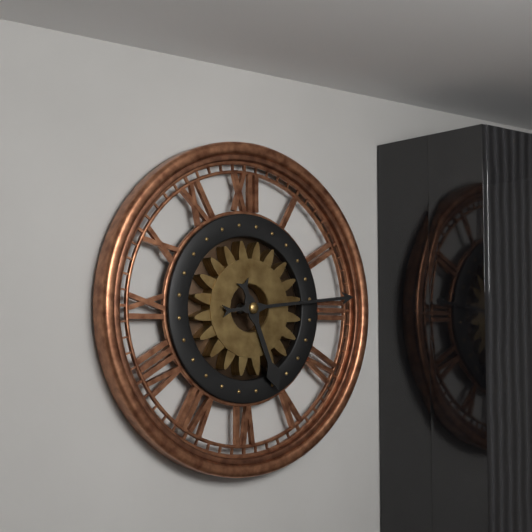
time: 5:14
